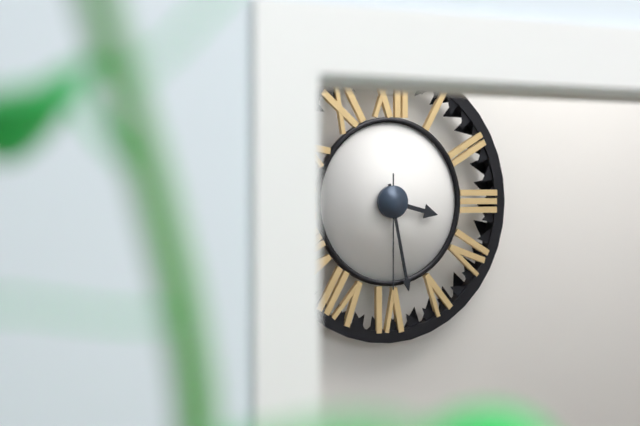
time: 3:28:30
